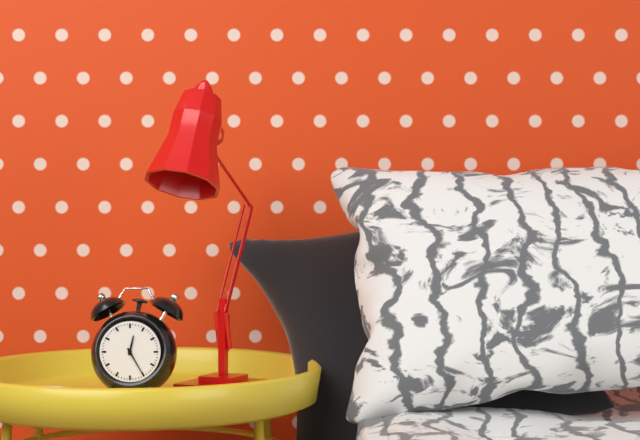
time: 12:25
